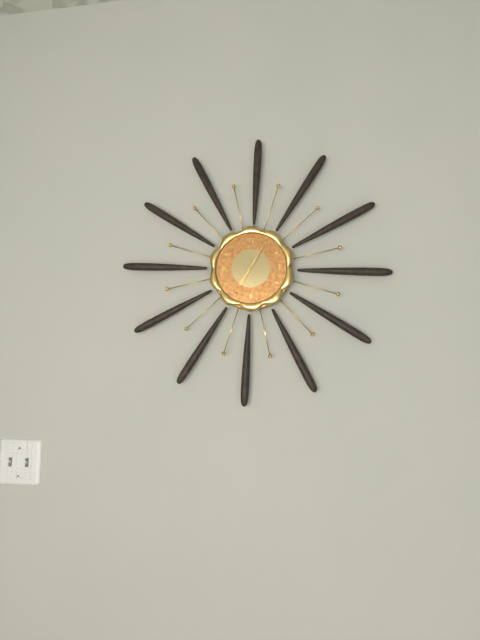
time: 7:05
